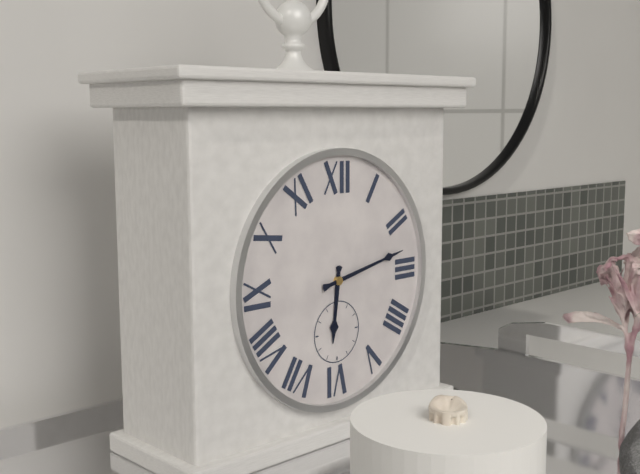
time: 6:13
